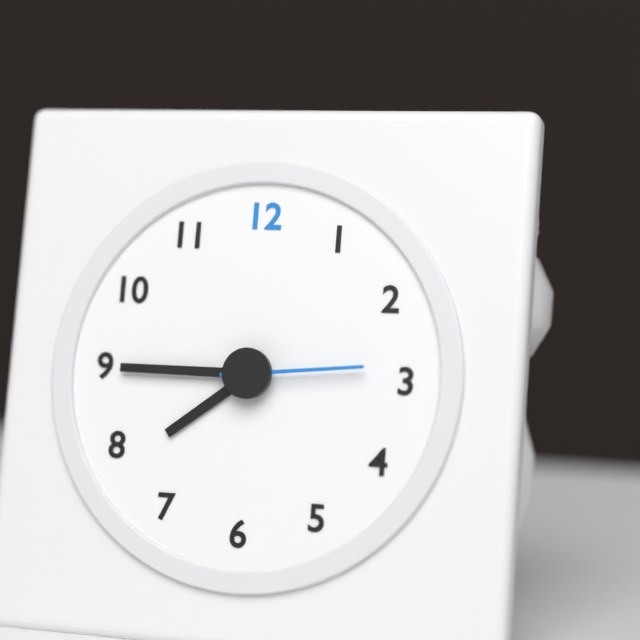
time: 7:45:14
